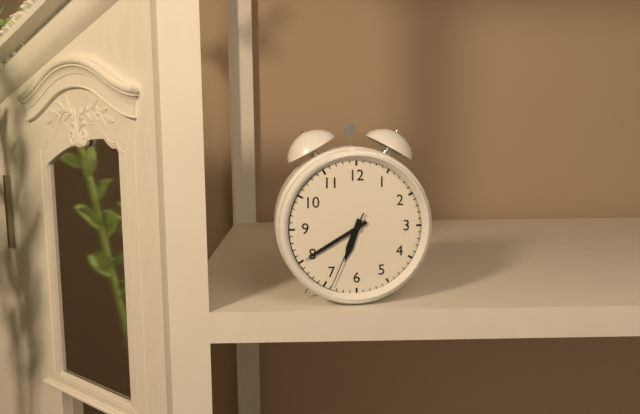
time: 6:40:34
